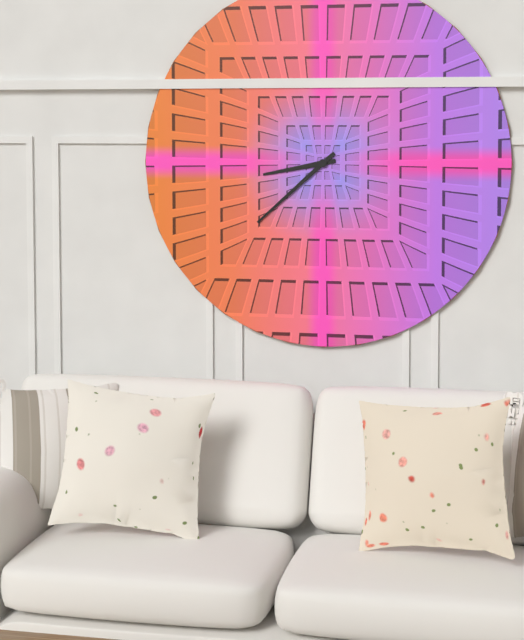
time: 8:38
